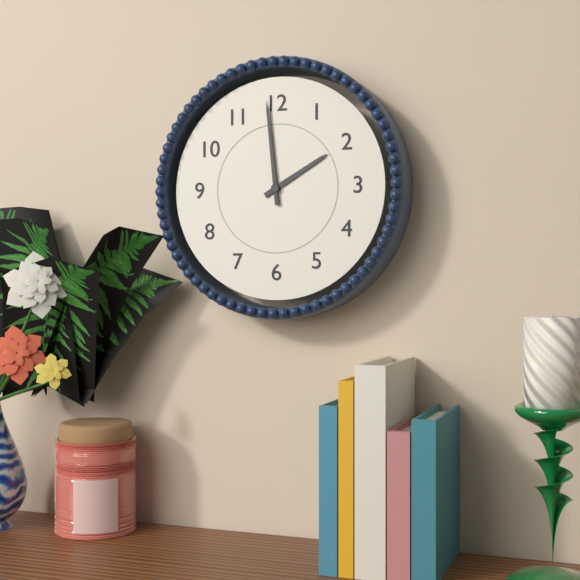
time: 1:59
